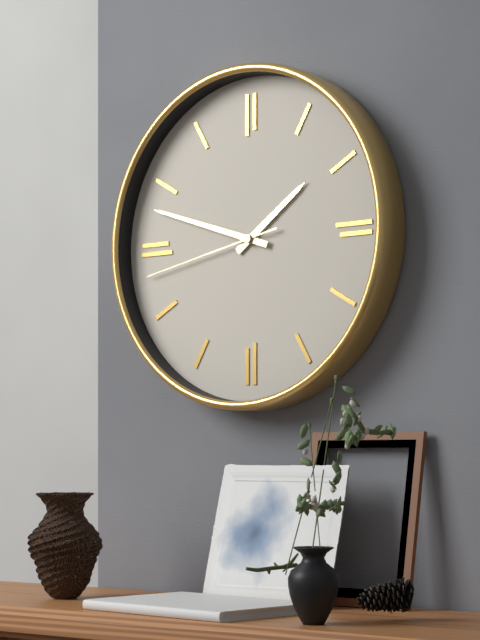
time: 1:48:43
